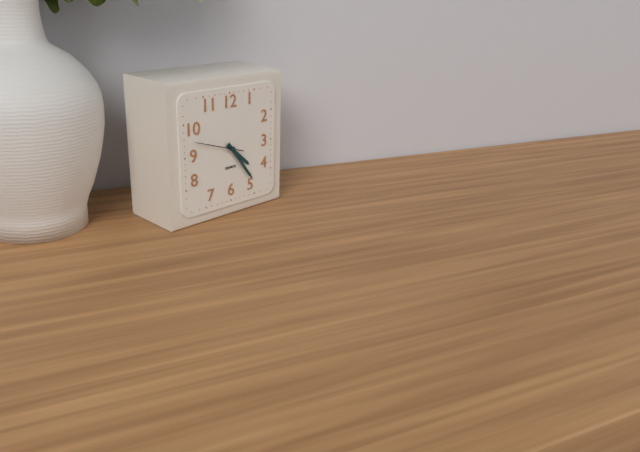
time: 4:24
